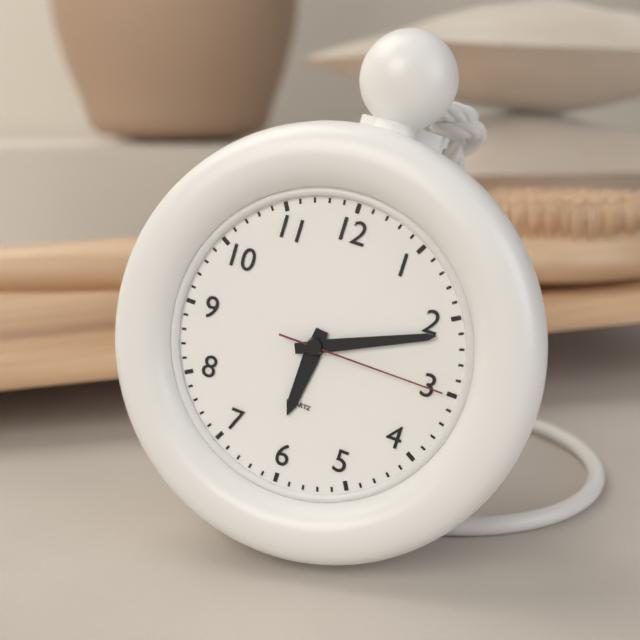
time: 6:11:15
